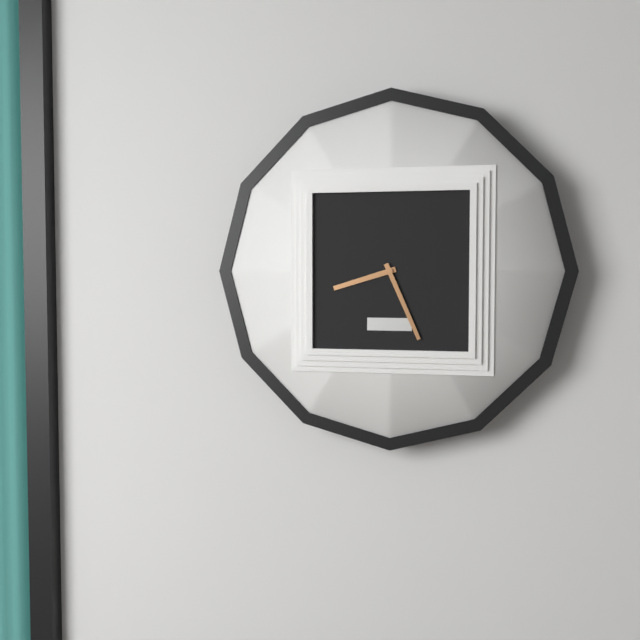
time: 8:26
